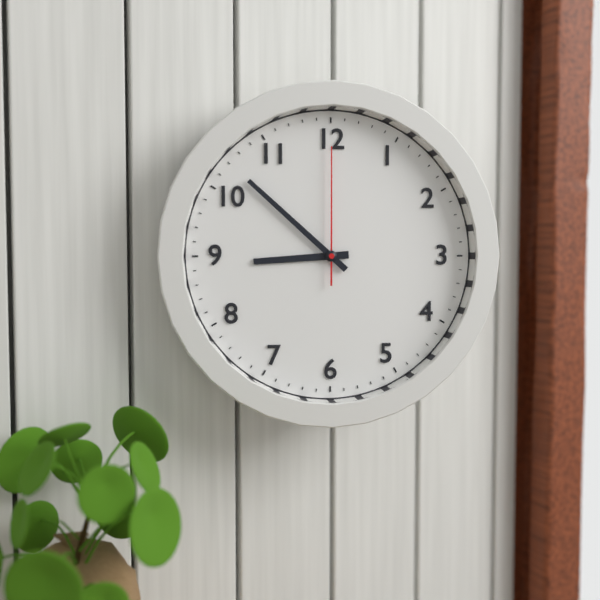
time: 8:52:00
